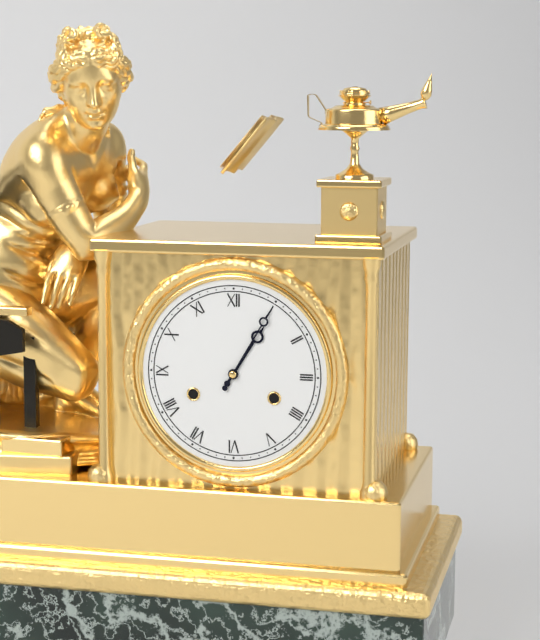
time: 1:05
